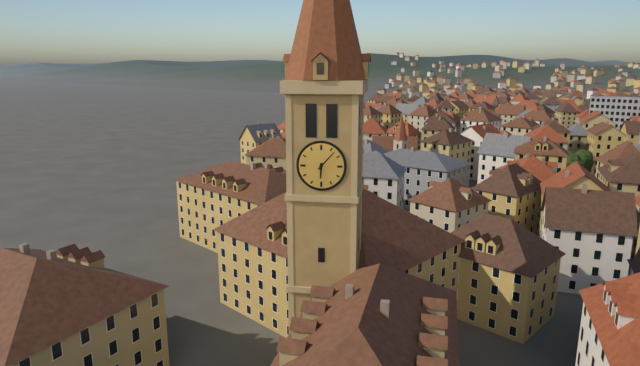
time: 6:07
